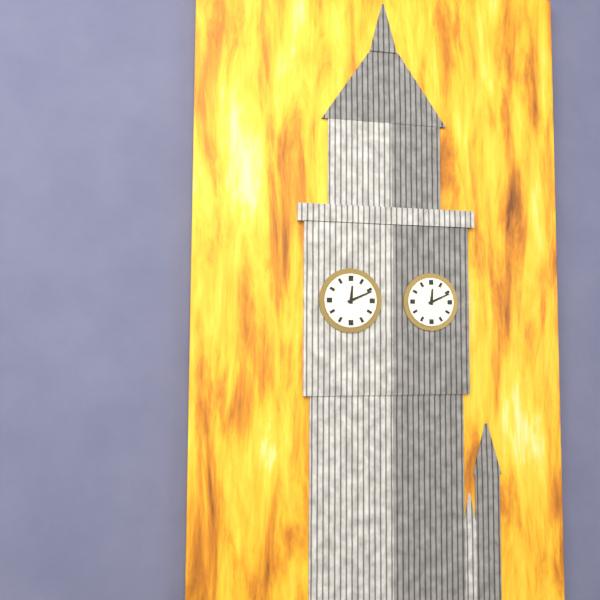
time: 12:11
